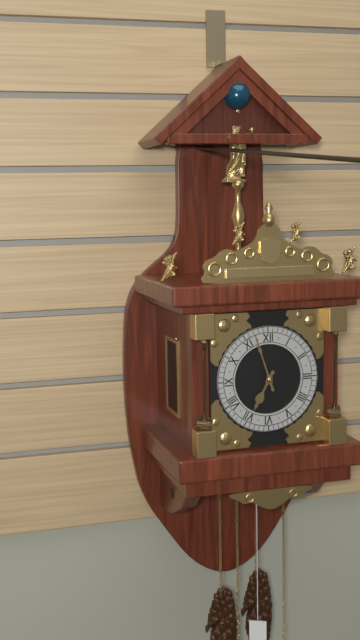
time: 6:57
